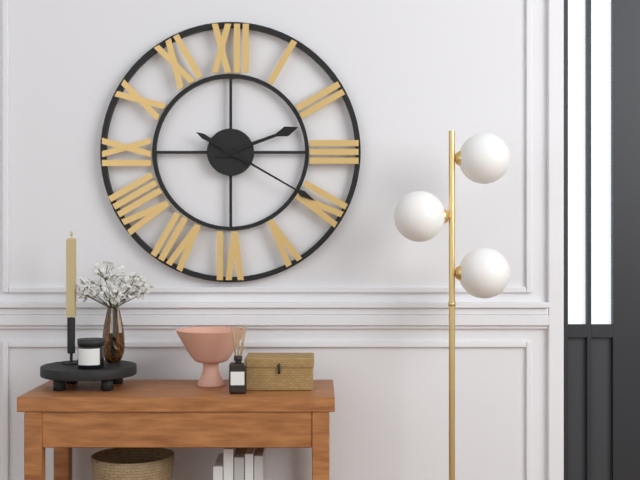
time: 2:20
